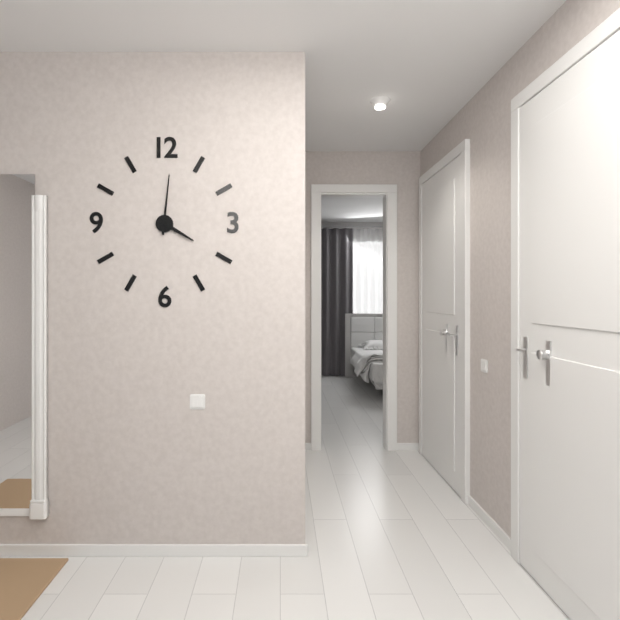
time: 4:01
